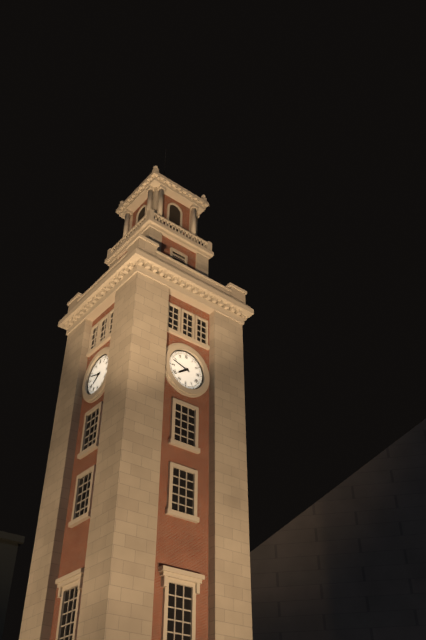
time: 7:48
